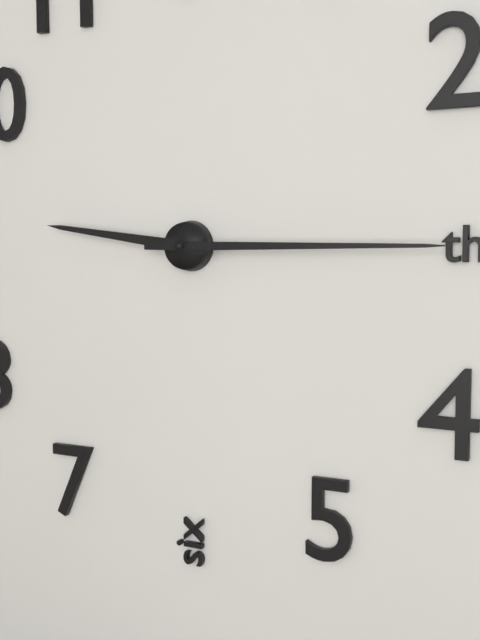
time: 9:15
